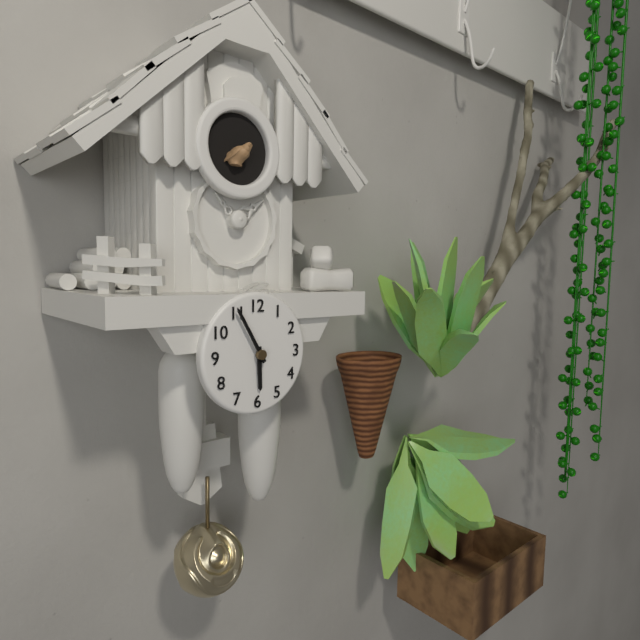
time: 5:55
